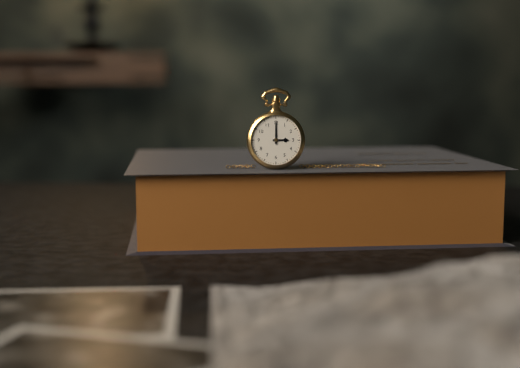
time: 3:00
